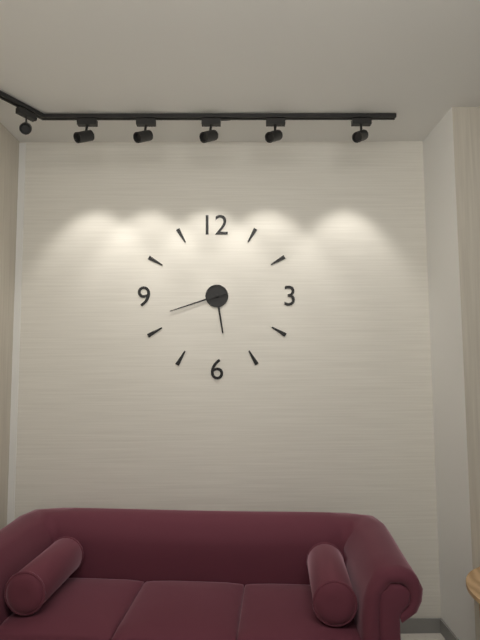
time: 5:42
